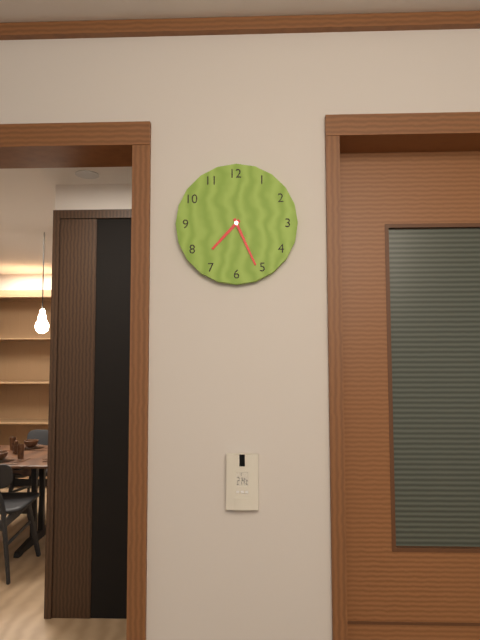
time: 7:26
